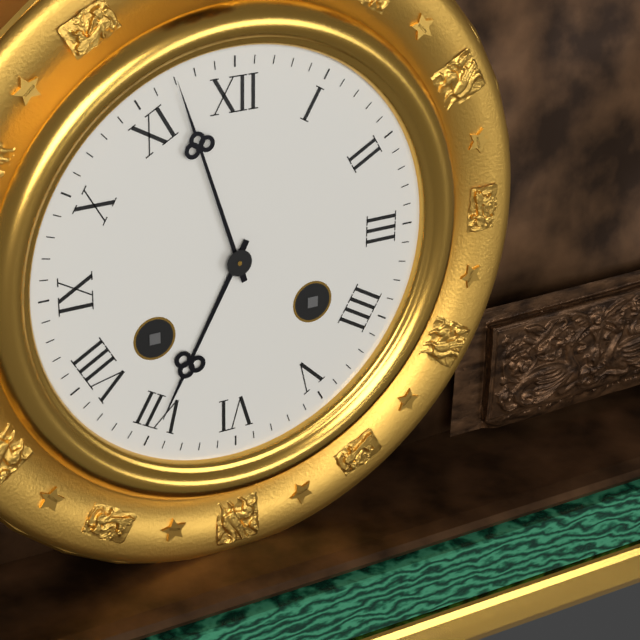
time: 6:57
